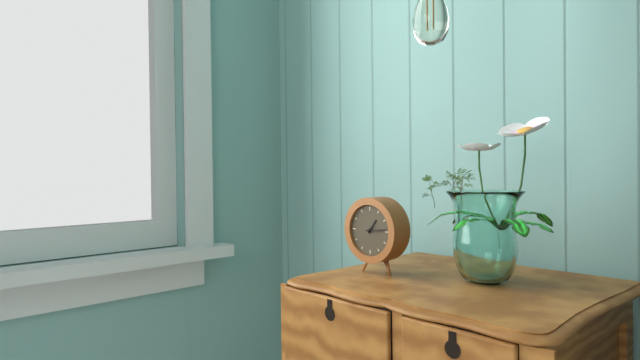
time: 1:14
